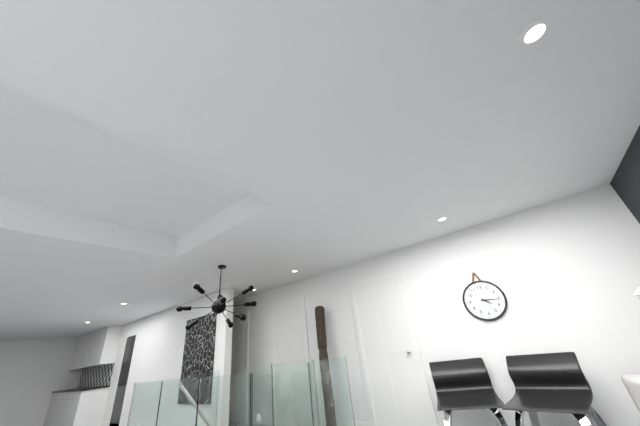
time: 4:16
